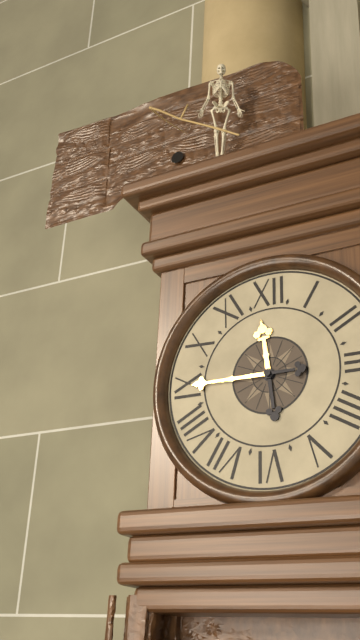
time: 11:45
